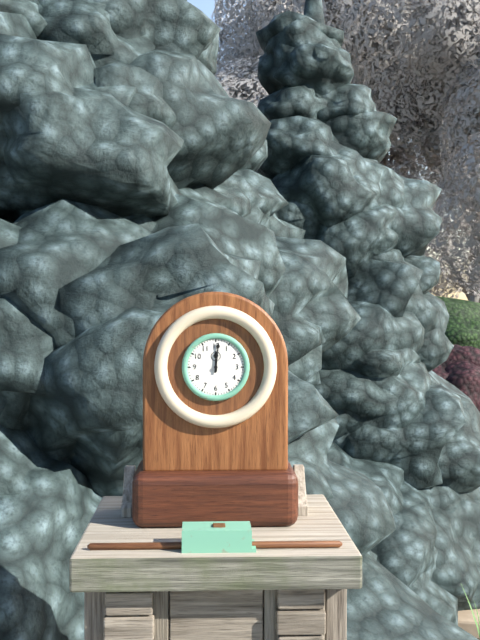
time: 12:01
